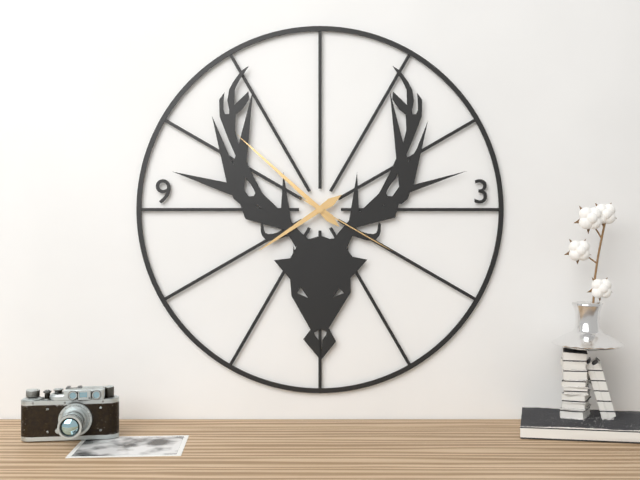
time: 7:52:20
